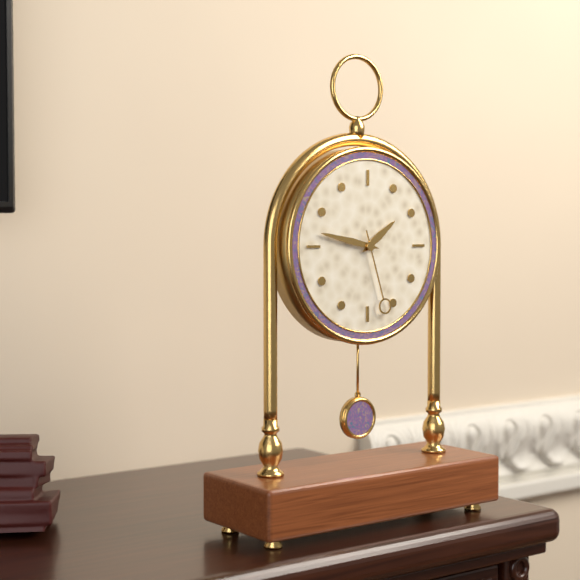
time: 1:47:27
